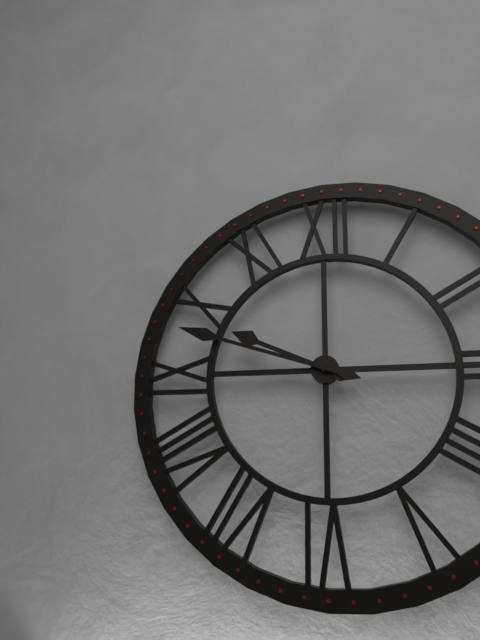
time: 9:48
